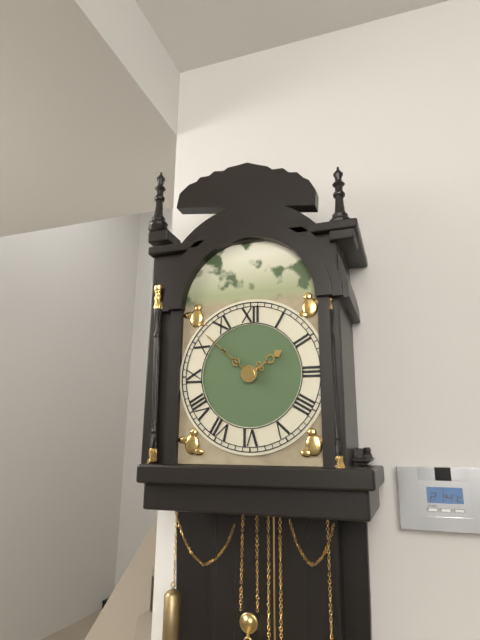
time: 1:52
